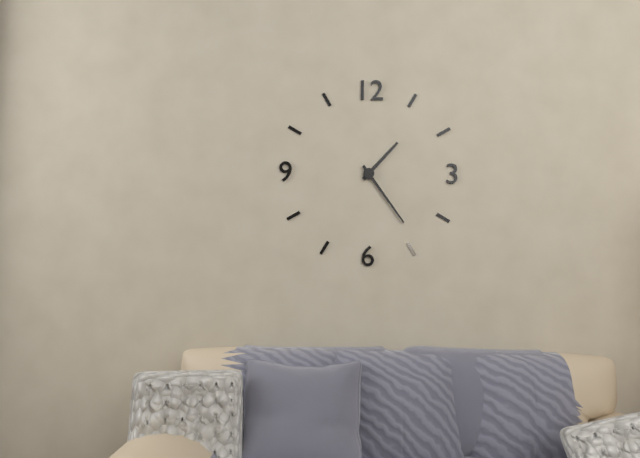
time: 1:24
